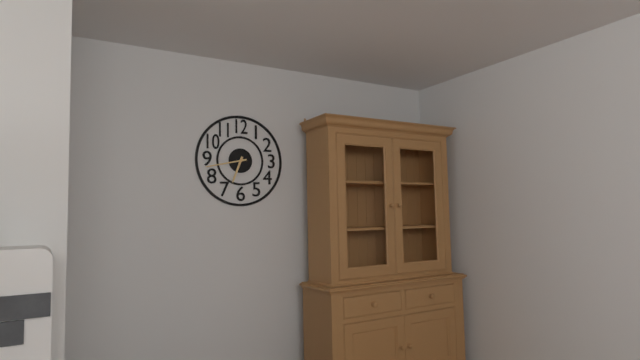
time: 6:43
